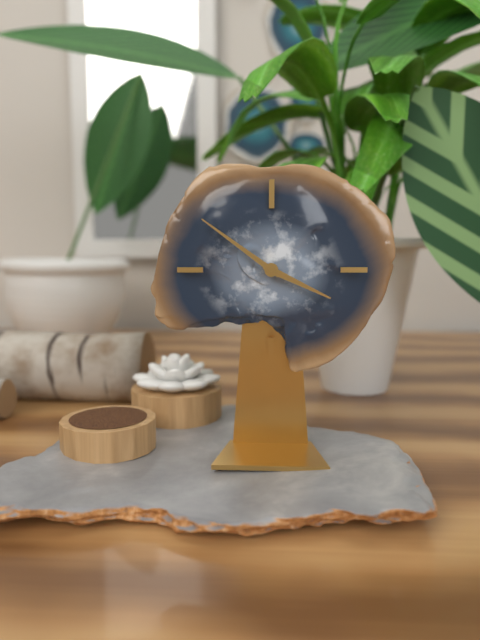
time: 3:51
